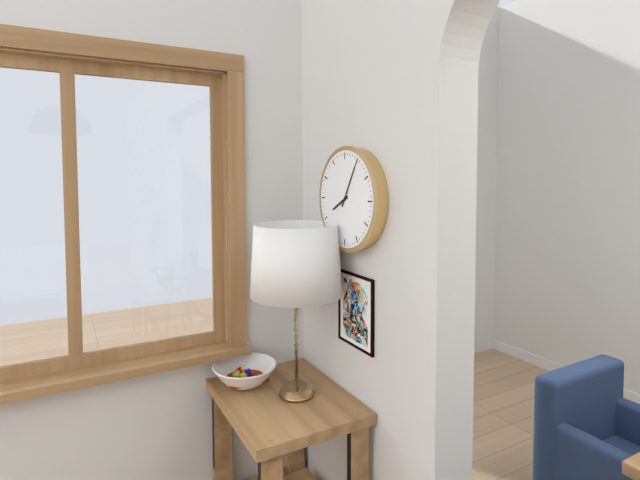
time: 8:05
